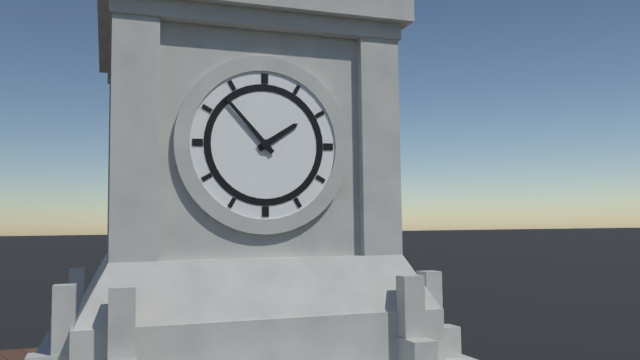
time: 1:53
